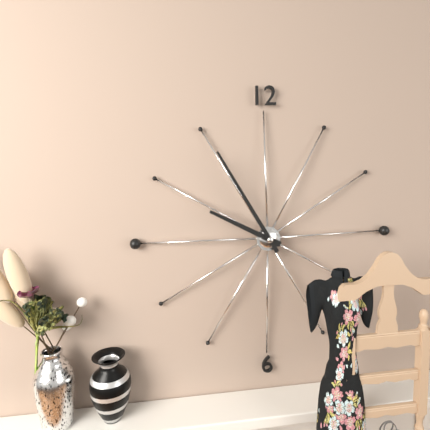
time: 9:55
